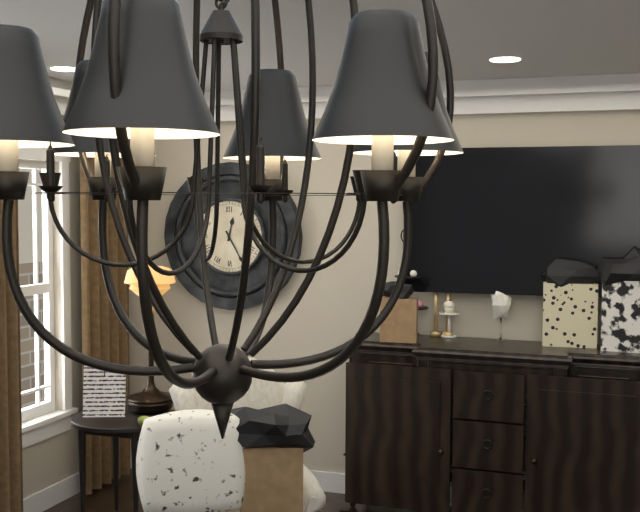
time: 12:25
